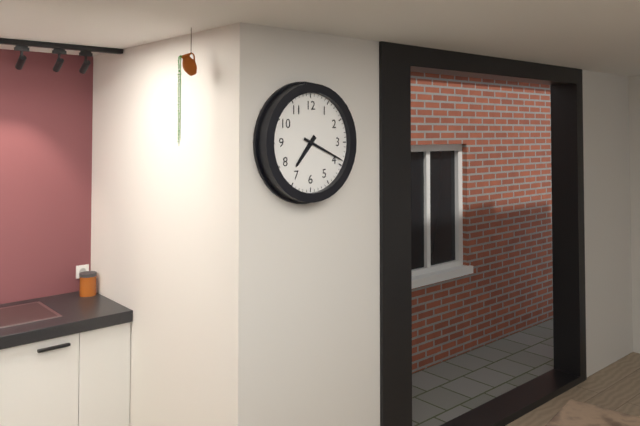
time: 7:19
